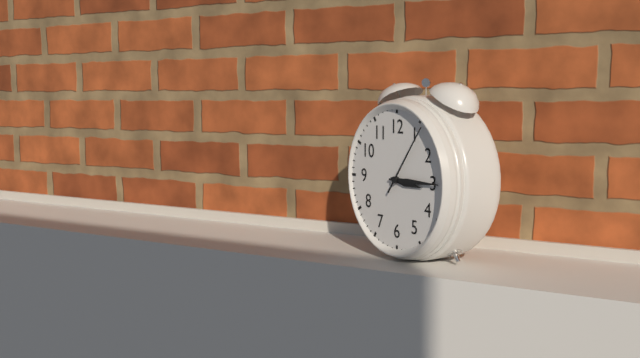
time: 3:15:06
